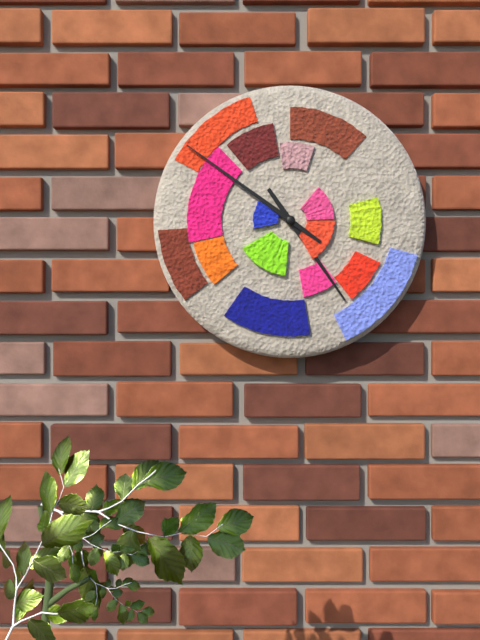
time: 4:51
